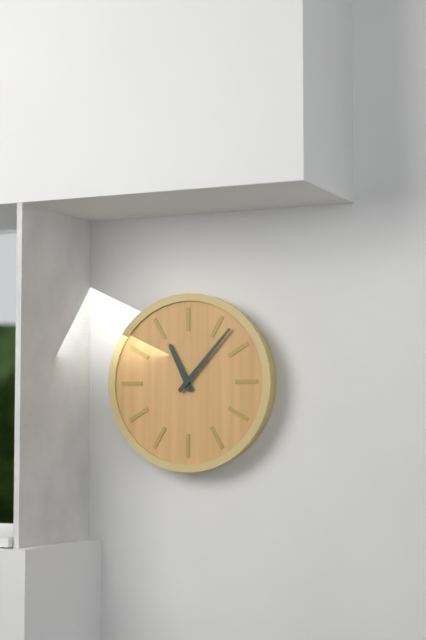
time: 11:07
